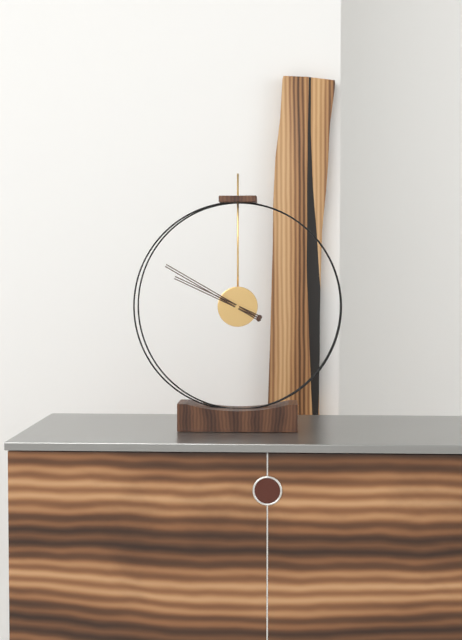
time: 9:50
